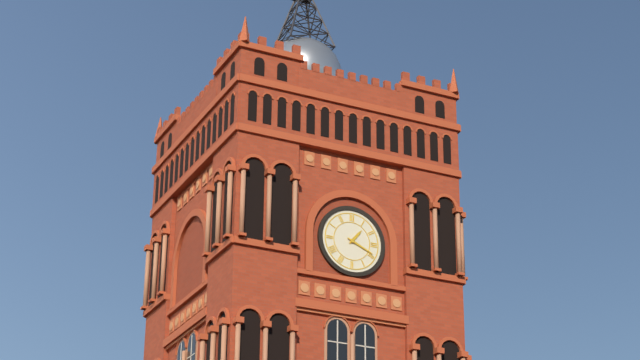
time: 1:19
